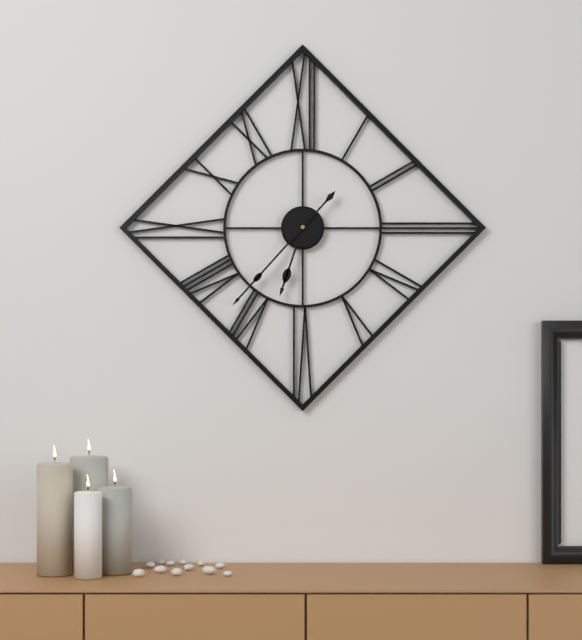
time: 6:37
